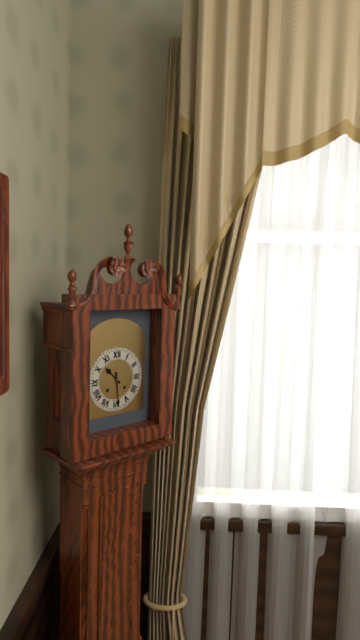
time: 10:29
